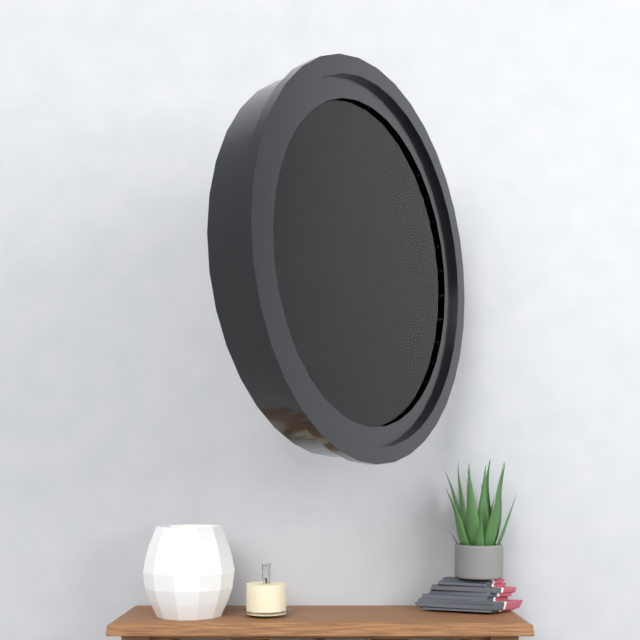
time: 6:19:28
